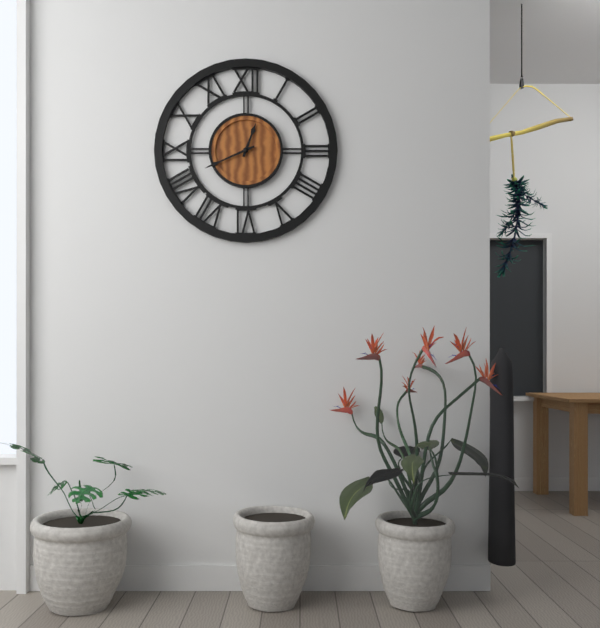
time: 12:41
